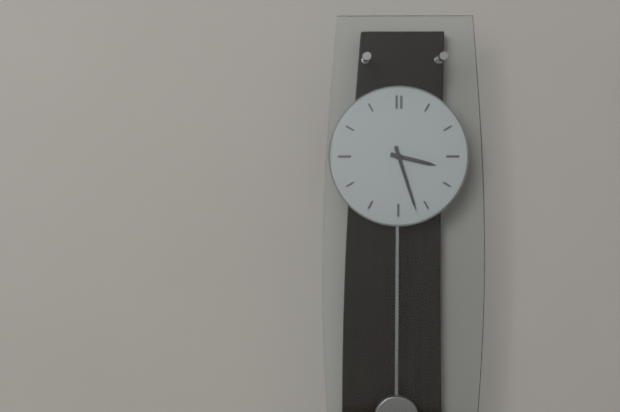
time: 3:27
